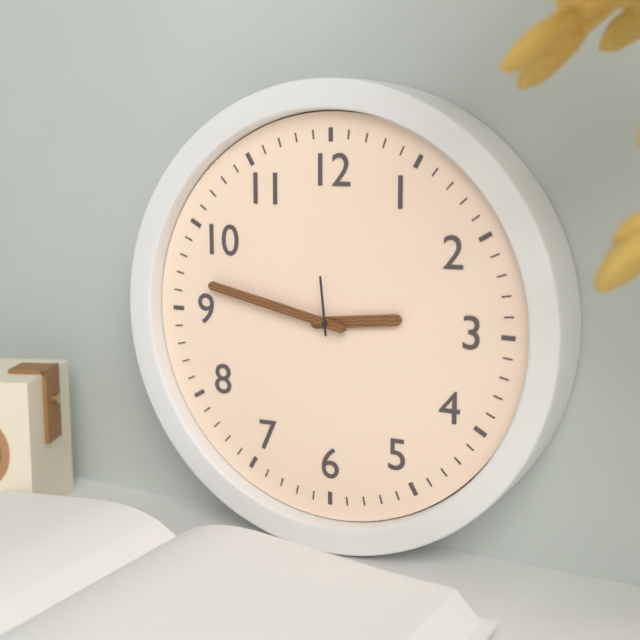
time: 2:47:59
